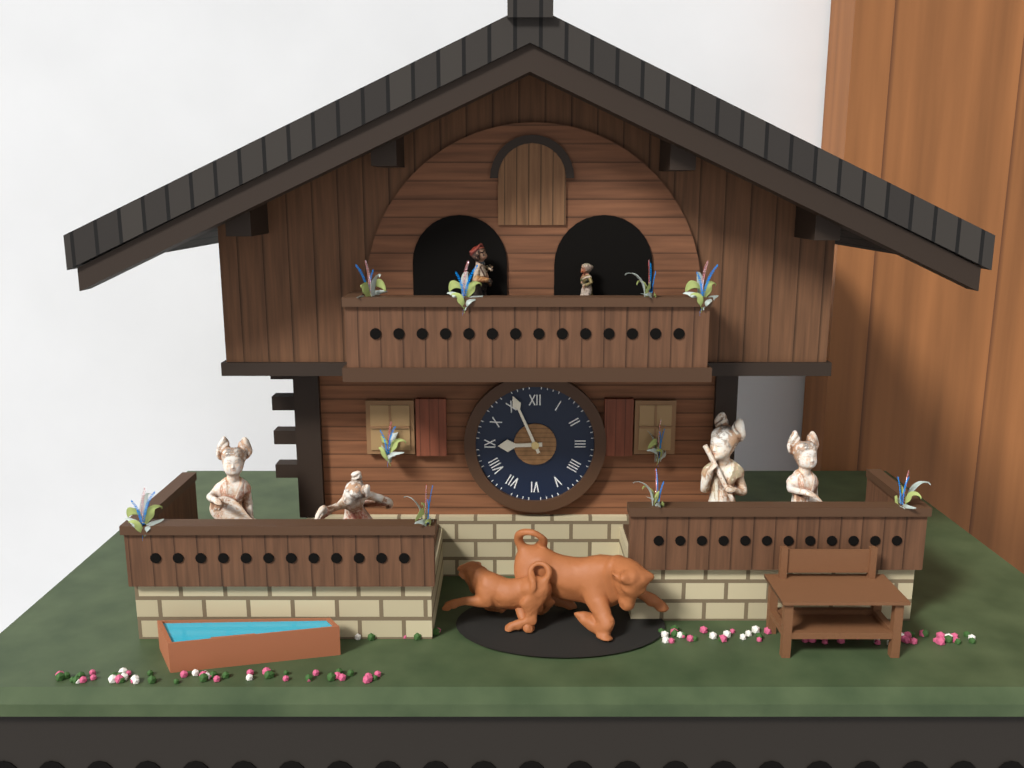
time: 8:56
